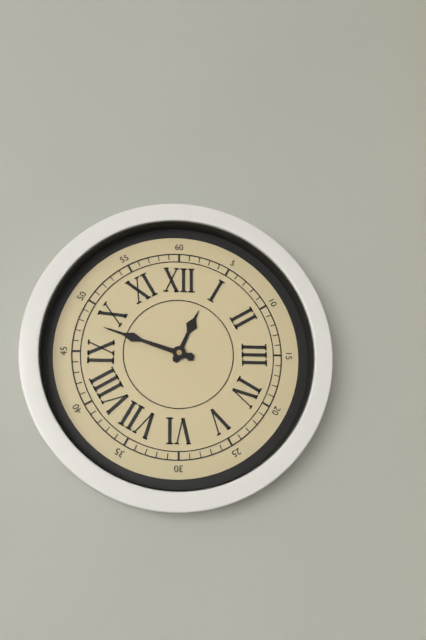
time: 12:48
